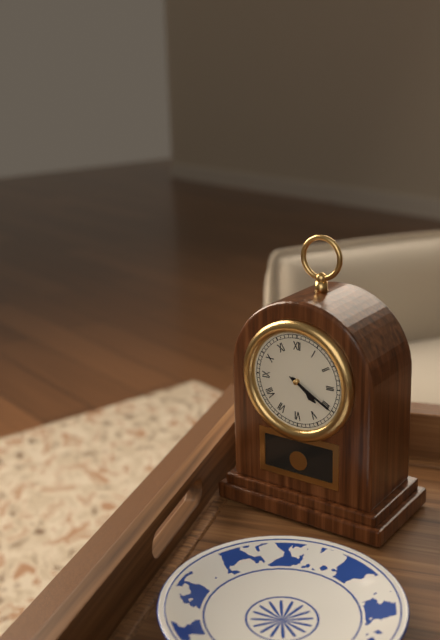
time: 4:20
